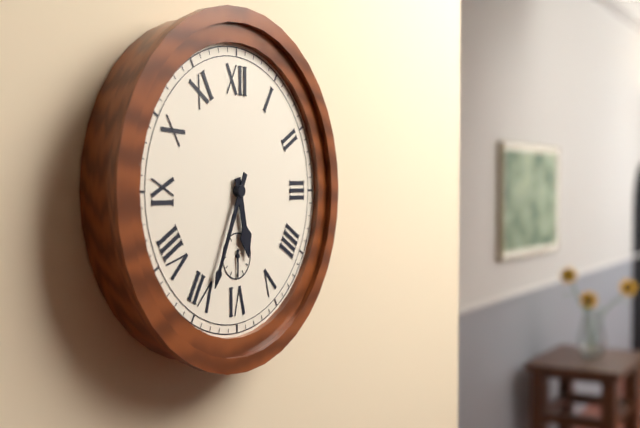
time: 5:34
